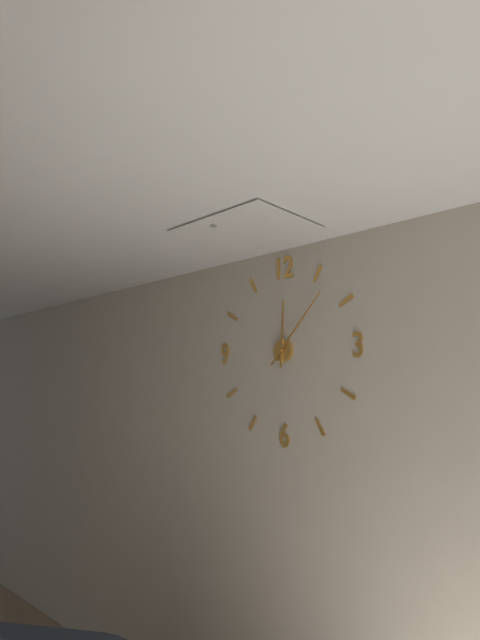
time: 12:07
